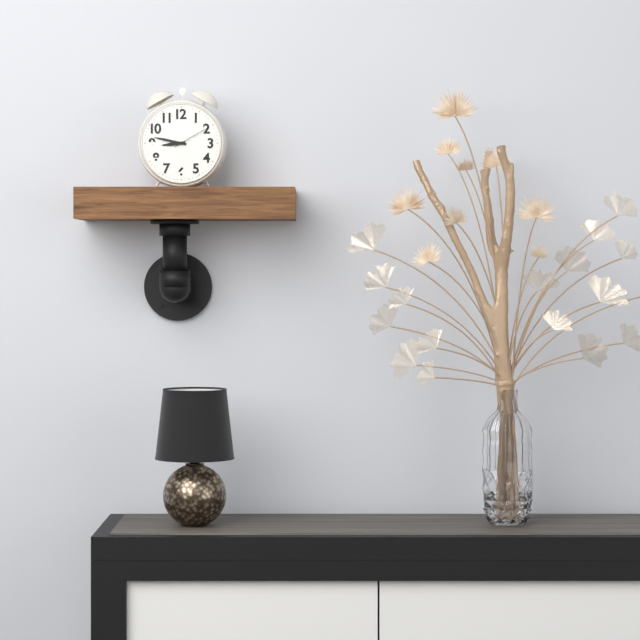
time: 8:47
